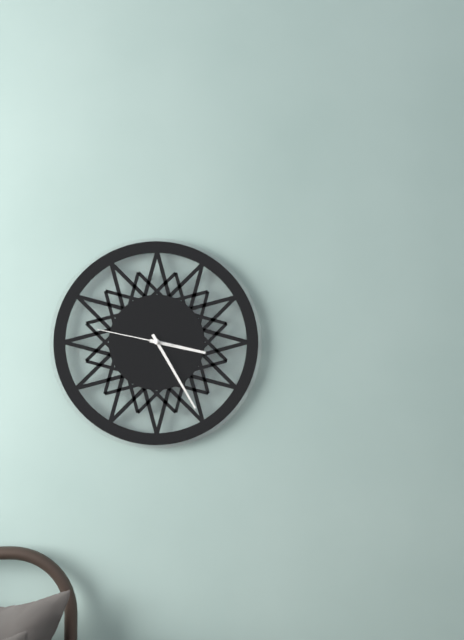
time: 3:25:47
